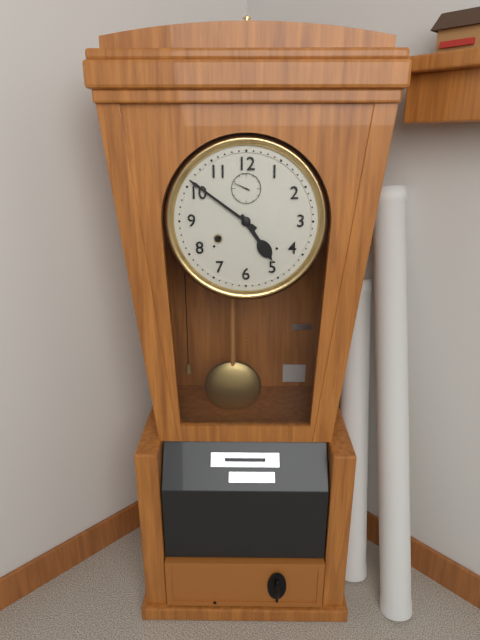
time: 4:51
